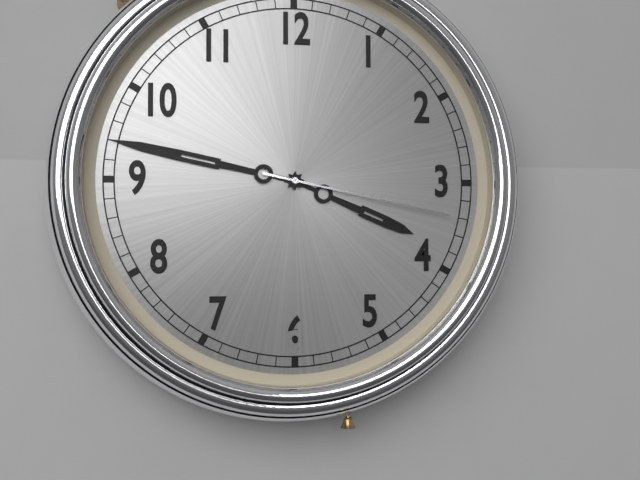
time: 3:47:17
